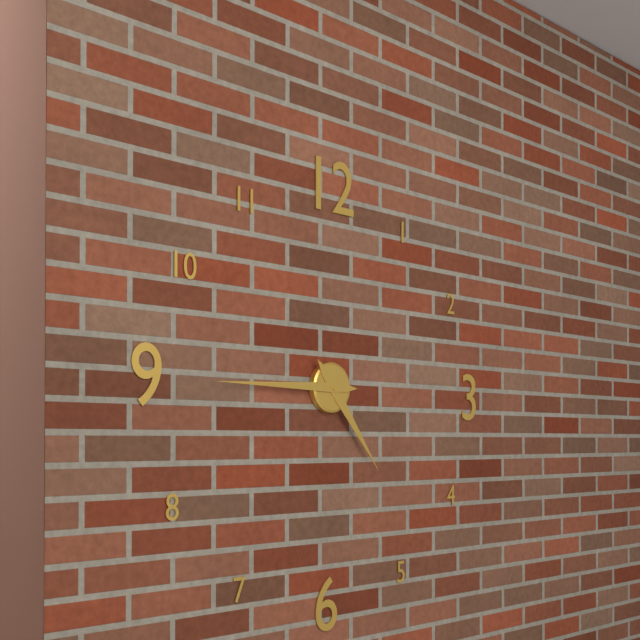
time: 4:45
